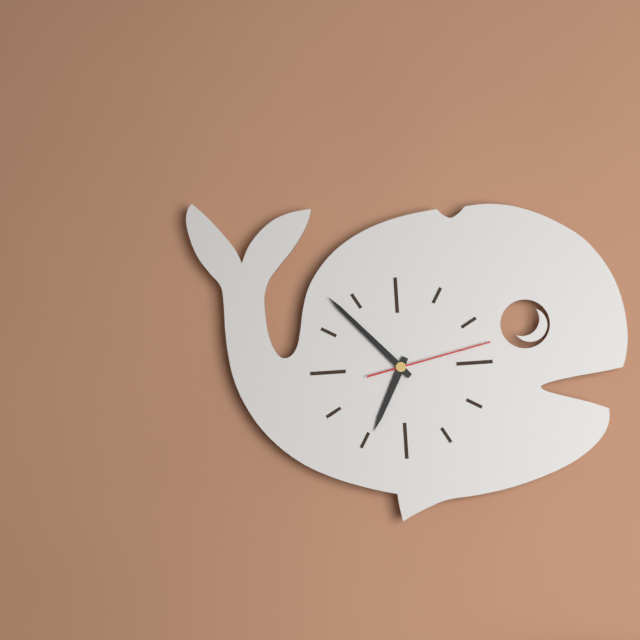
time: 6:53:13
